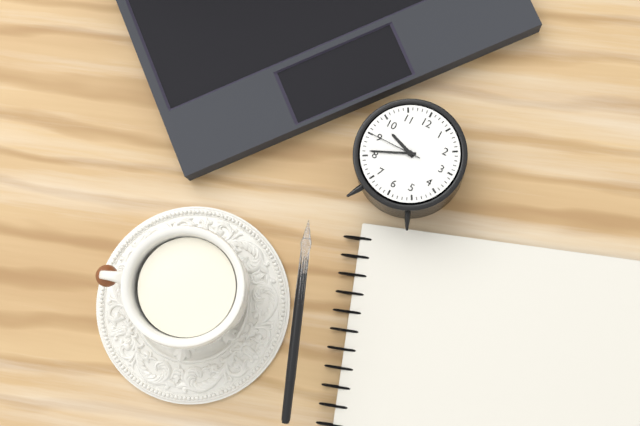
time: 9:41:45
